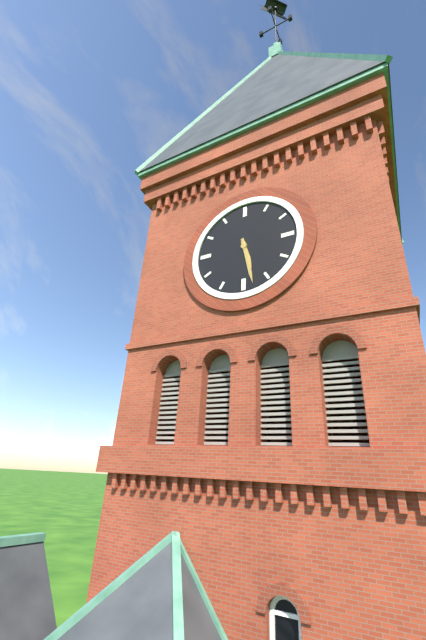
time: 5:28
